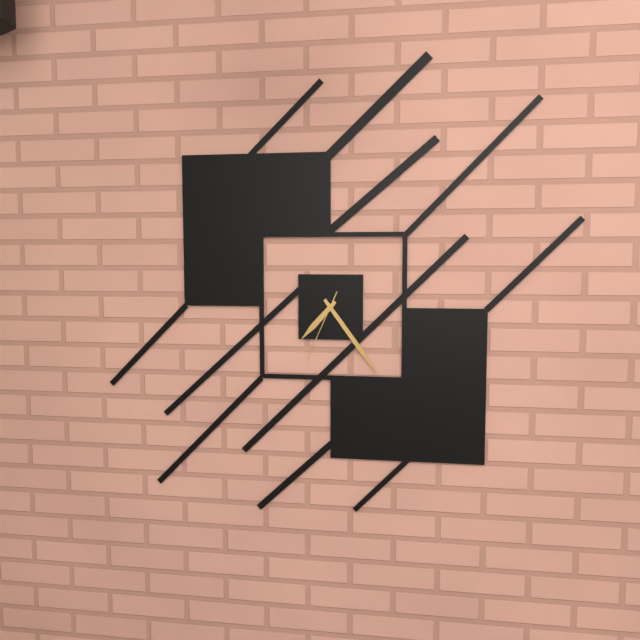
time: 7:24:34
